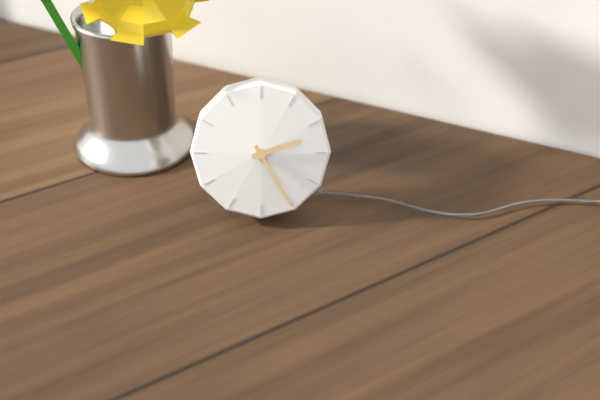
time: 2:25
